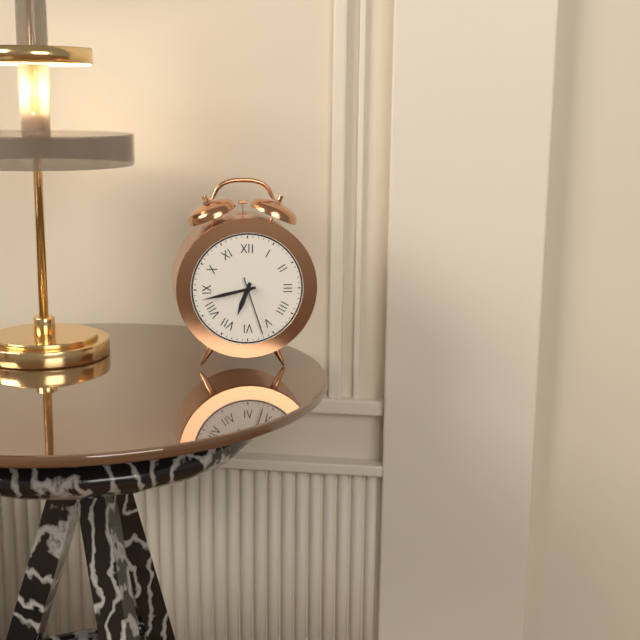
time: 6:43:27
